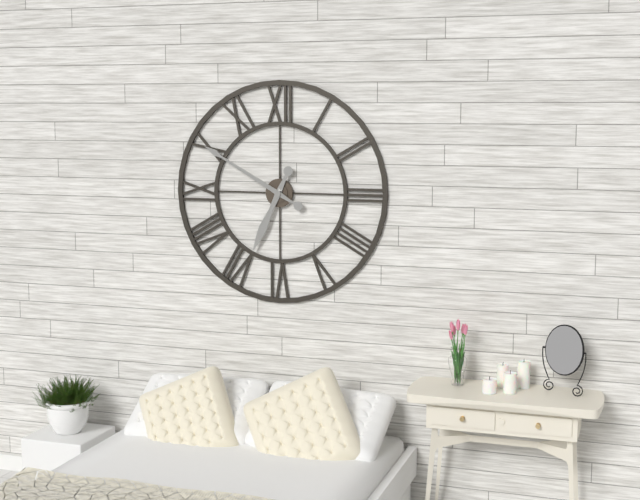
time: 6:50
